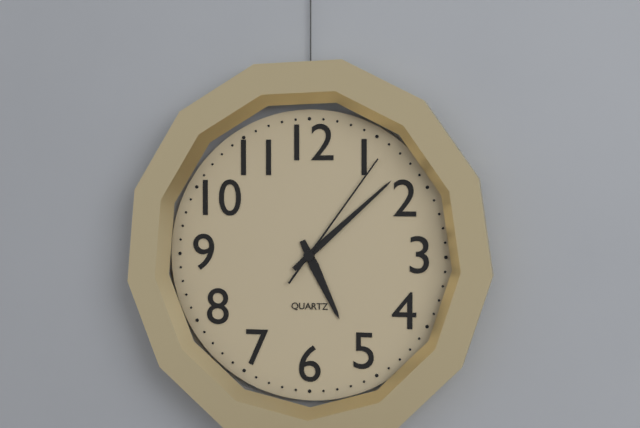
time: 5:08:06
